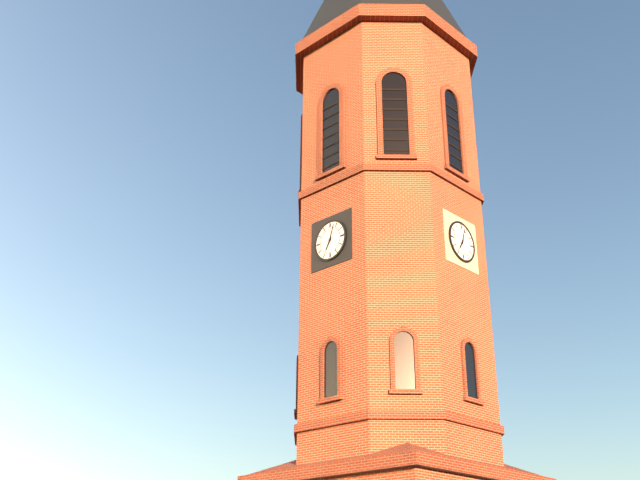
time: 7:03
